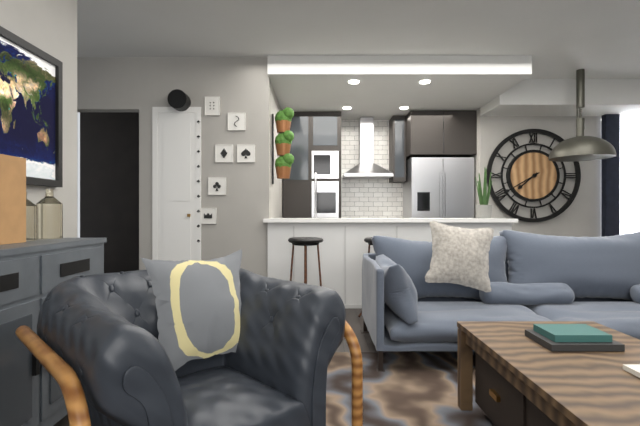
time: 7:40
